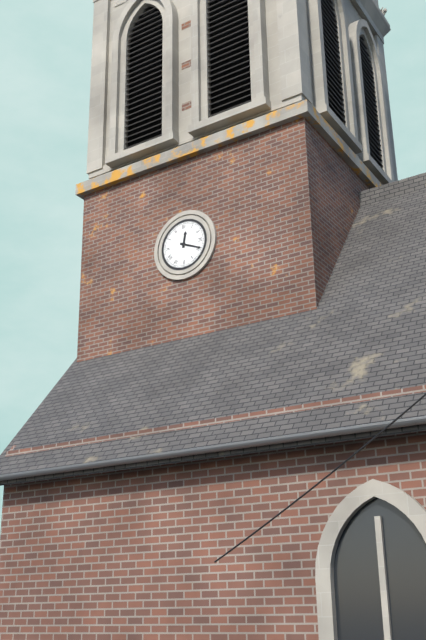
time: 12:19
